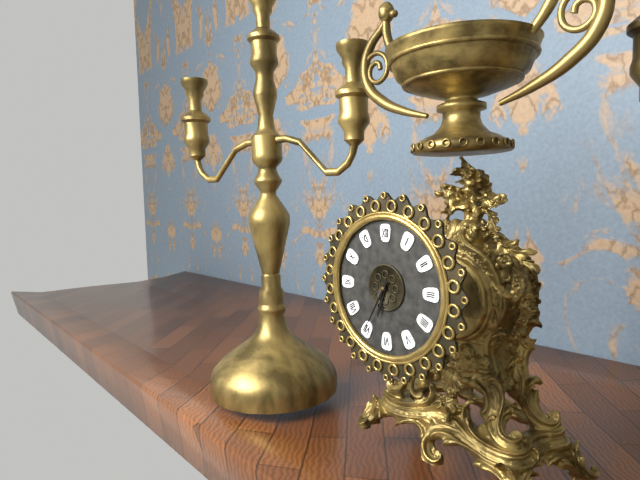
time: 6:35
